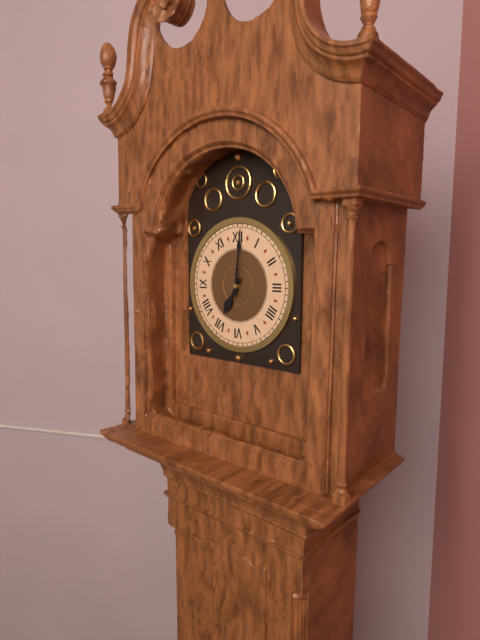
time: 7:01
